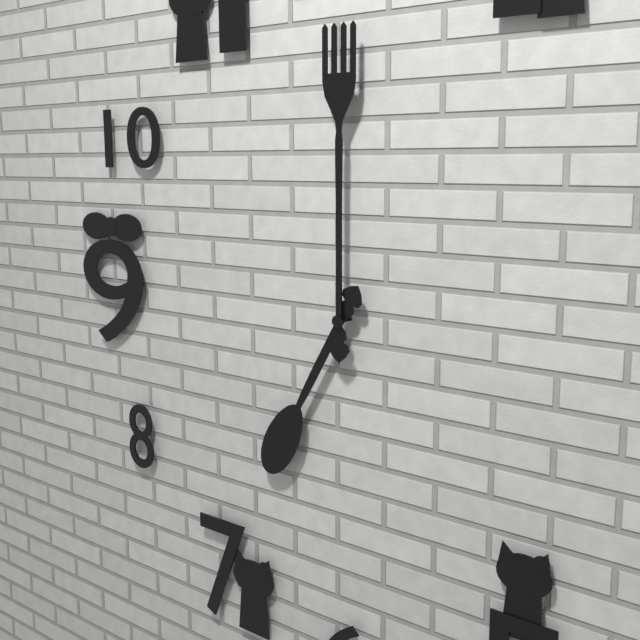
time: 7:00
